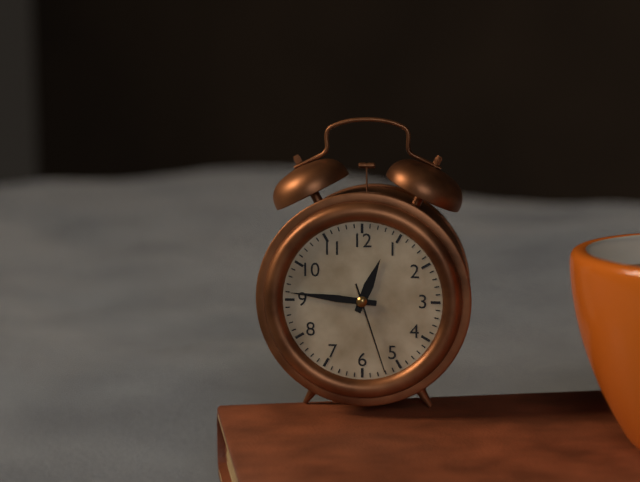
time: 12:46:27
